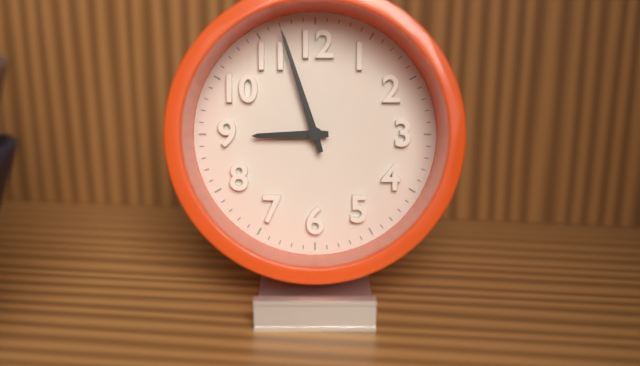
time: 8:57
